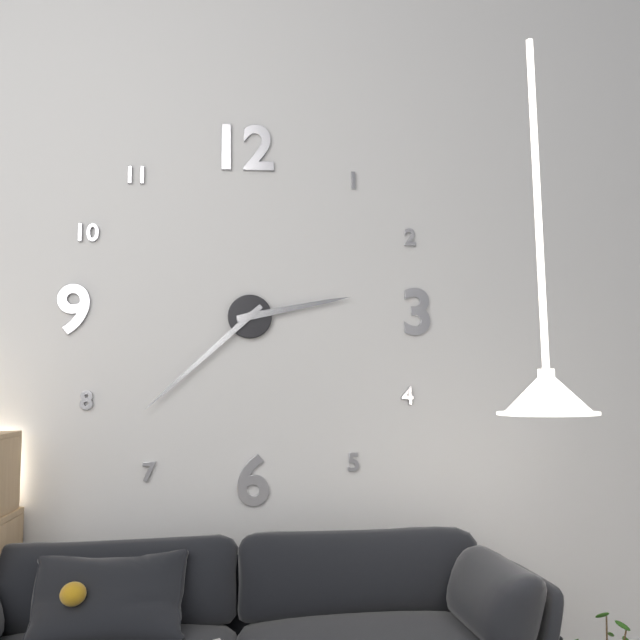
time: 2:38
